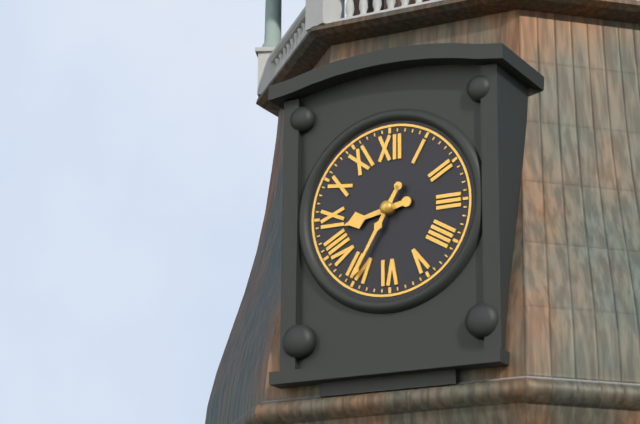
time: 8:35
